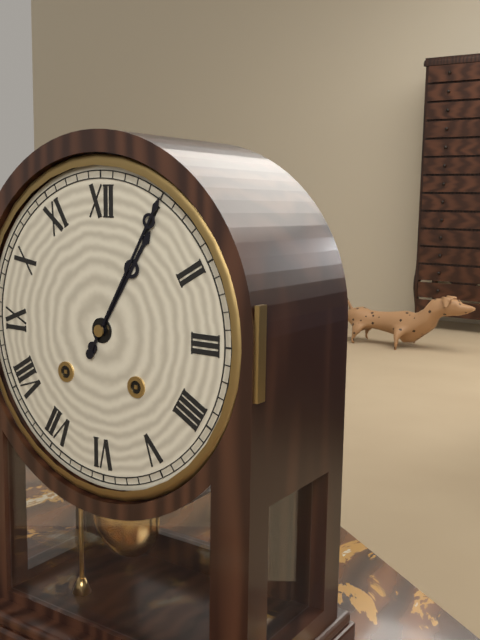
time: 1:05
